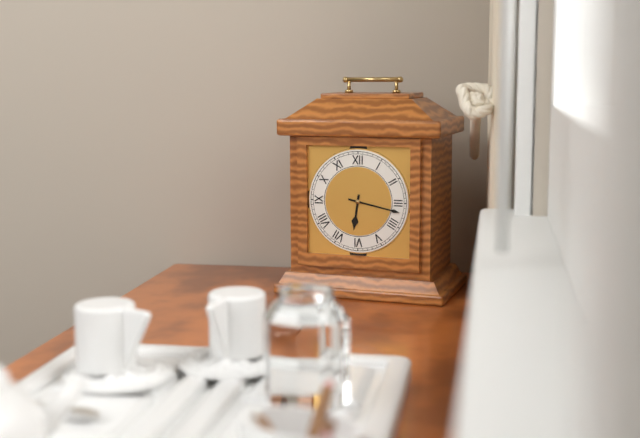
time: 6:17
